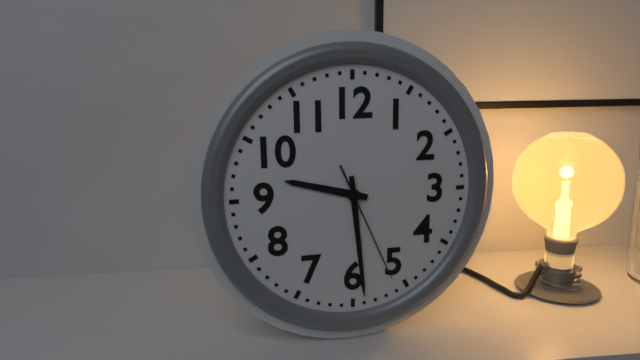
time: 9:29:26
